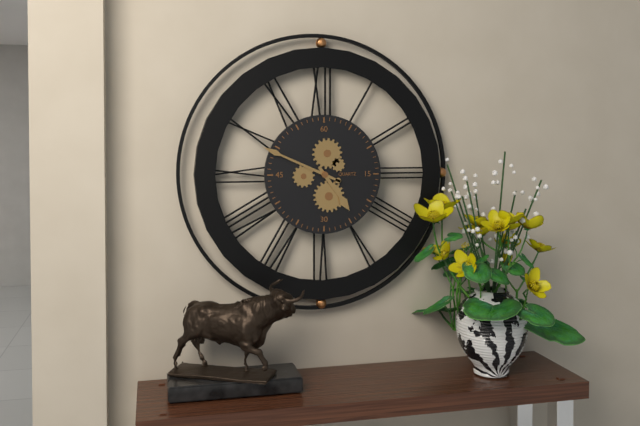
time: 4:49
